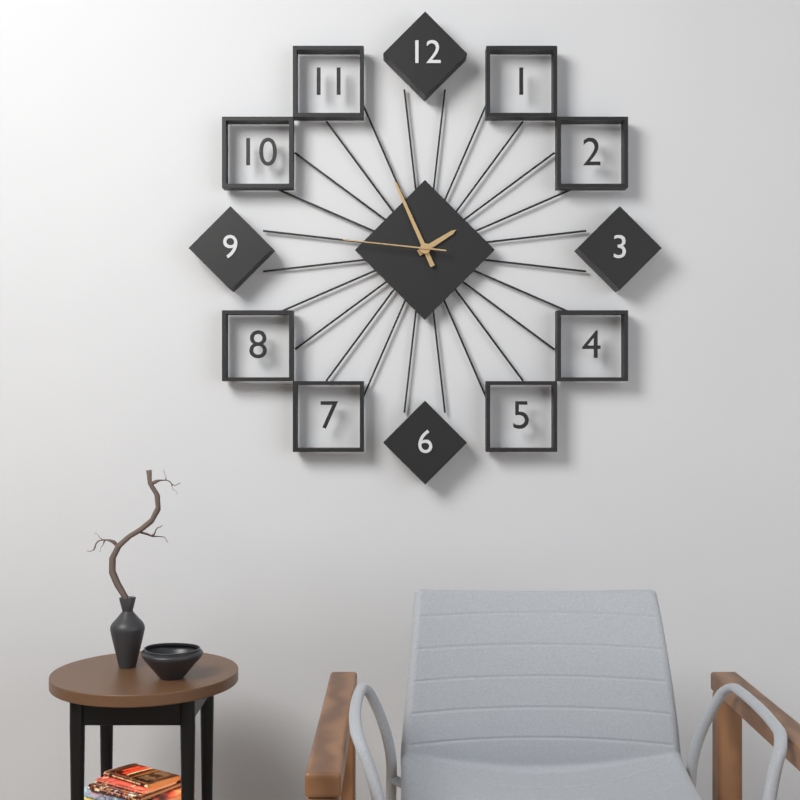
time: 1:56:46
